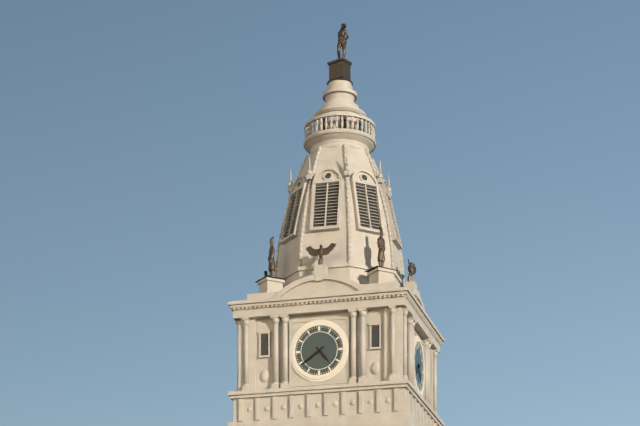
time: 4:39
